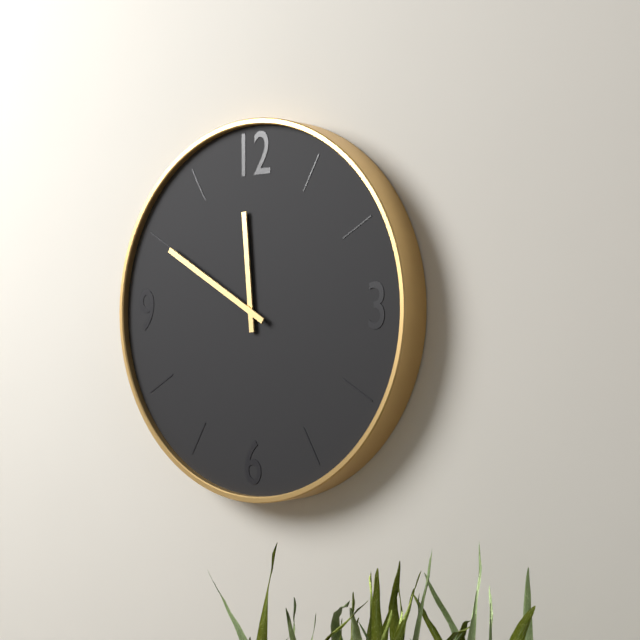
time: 11:50
